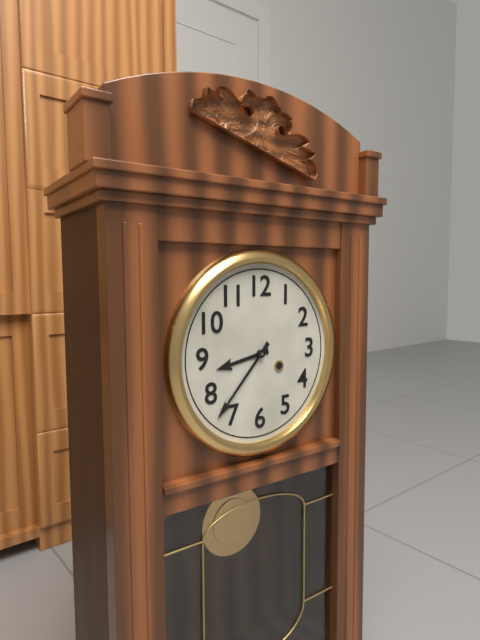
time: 8:37
